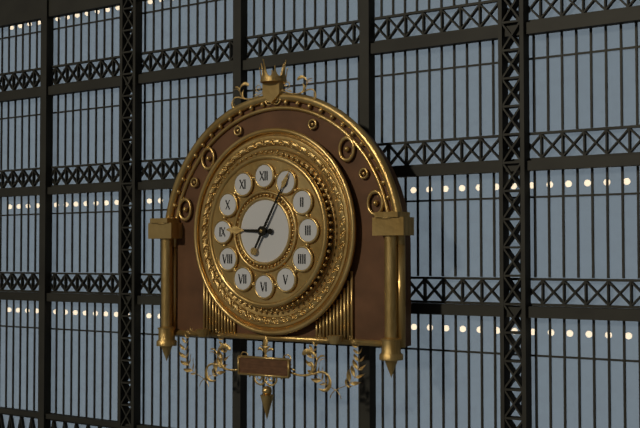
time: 9:05
